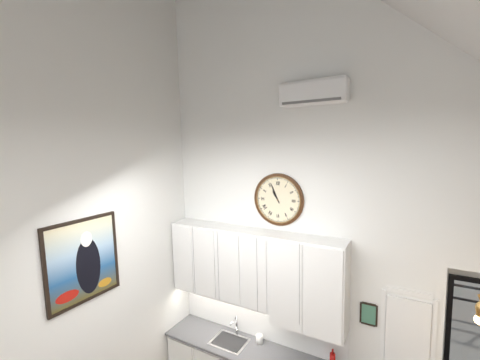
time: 10:56
